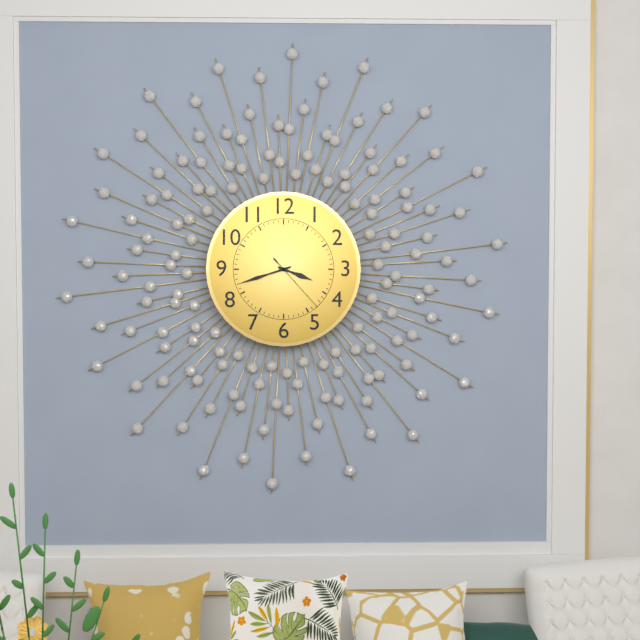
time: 3:42:23
